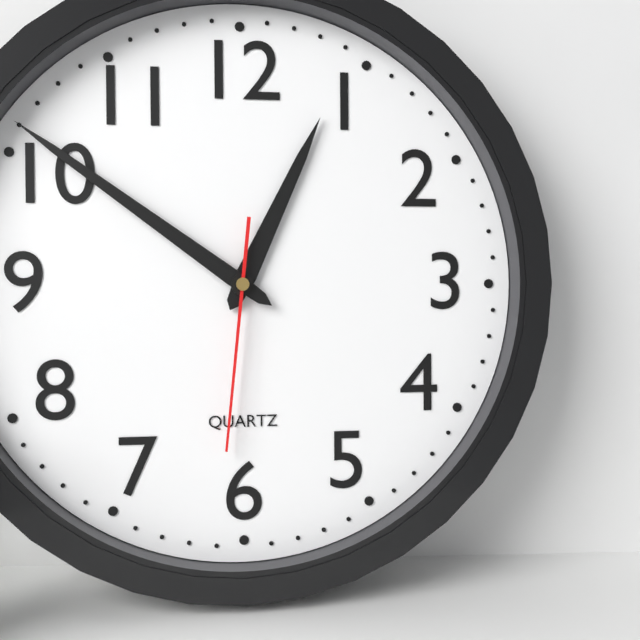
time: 12:51:31
